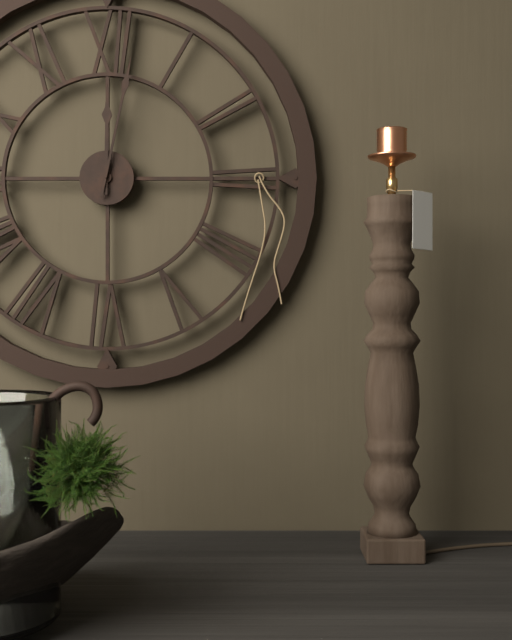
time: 12:02
